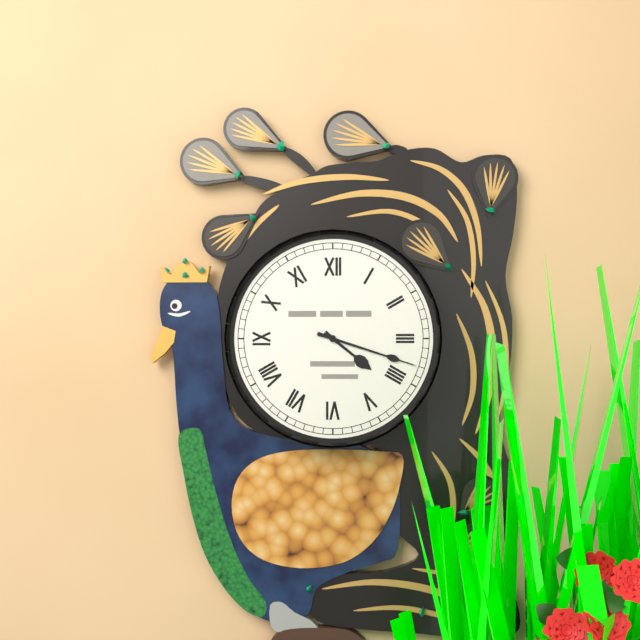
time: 4:18
